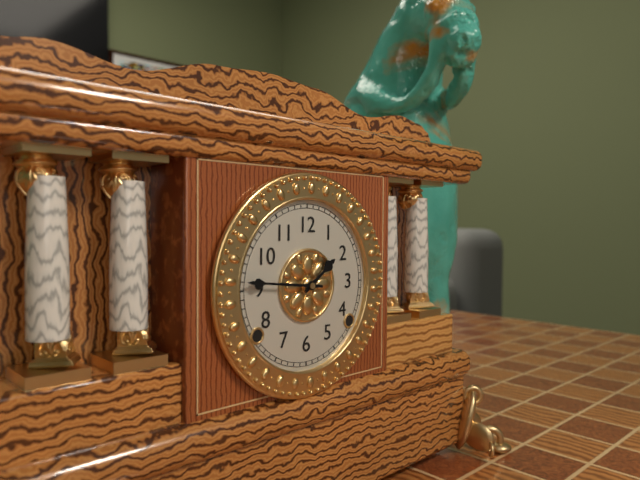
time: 1:46
